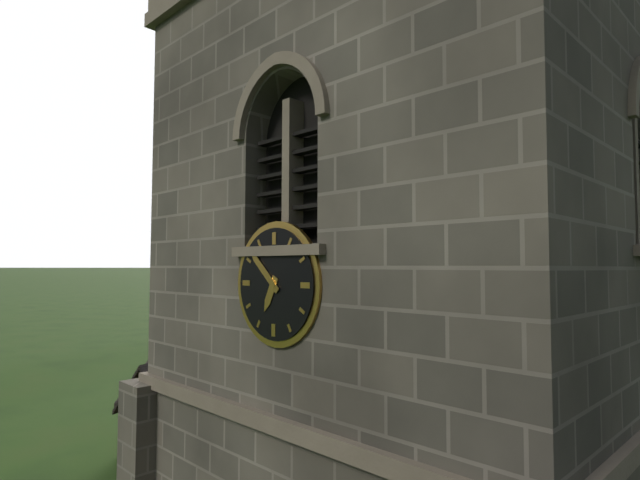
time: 6:52
